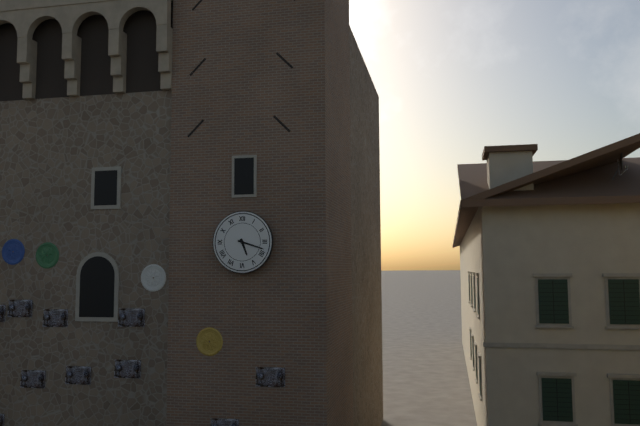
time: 5:18
